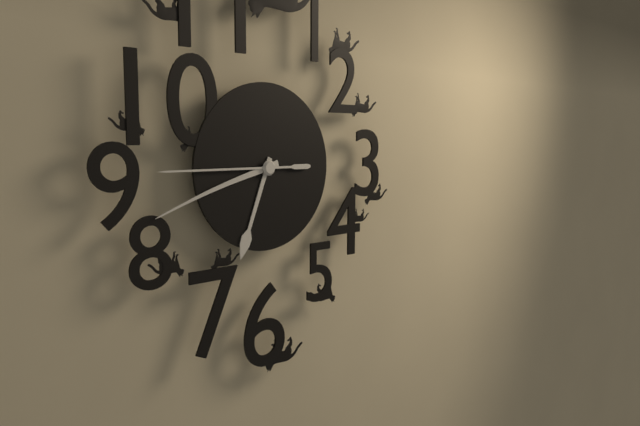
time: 6:42:45
